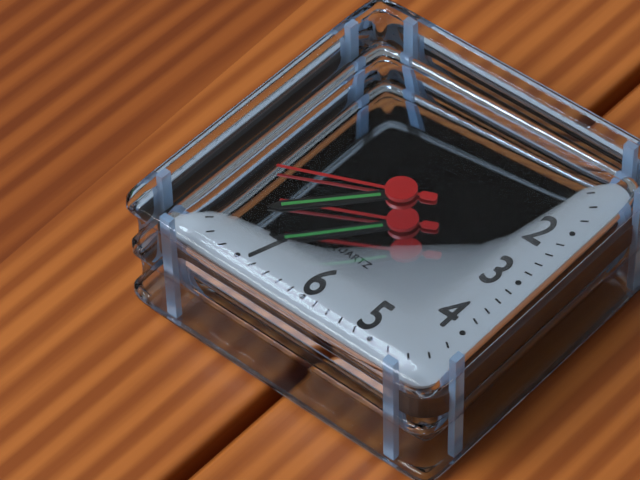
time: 1:37:41
